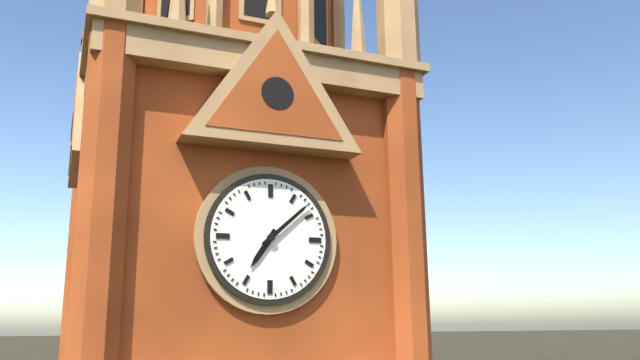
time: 7:08
